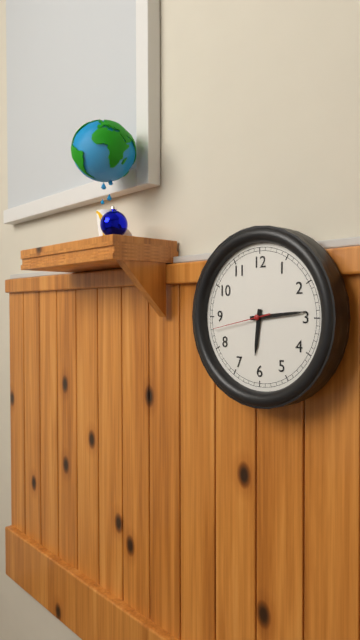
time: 6:14:43
